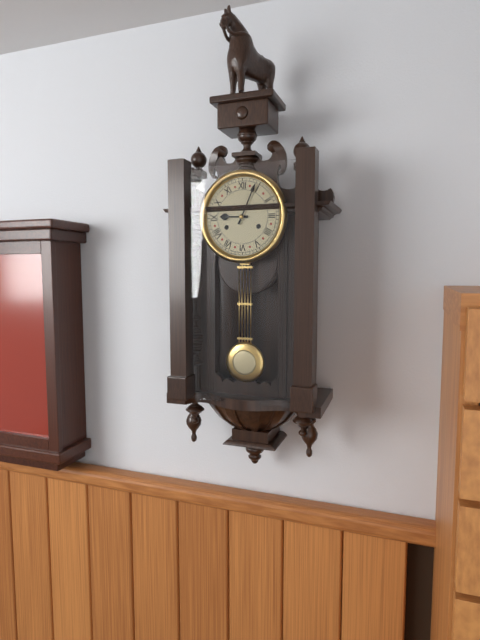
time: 9:04
